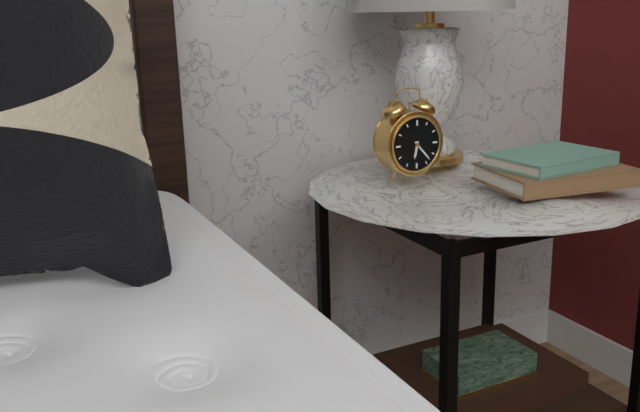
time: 6:23
